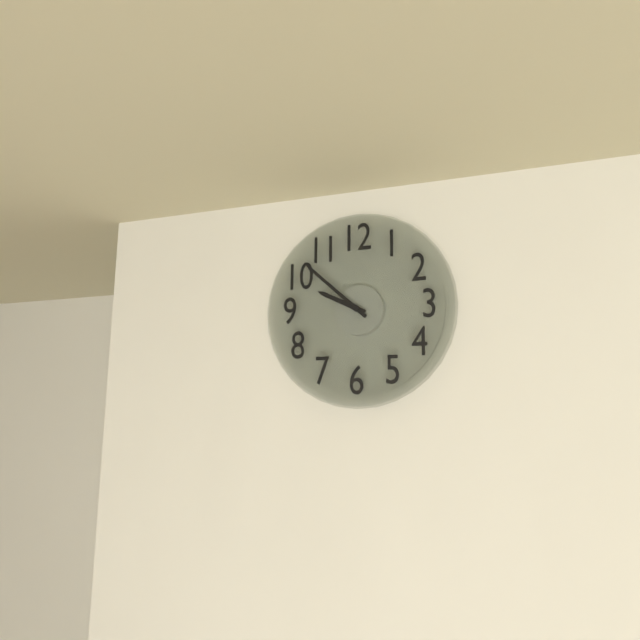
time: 9:52
